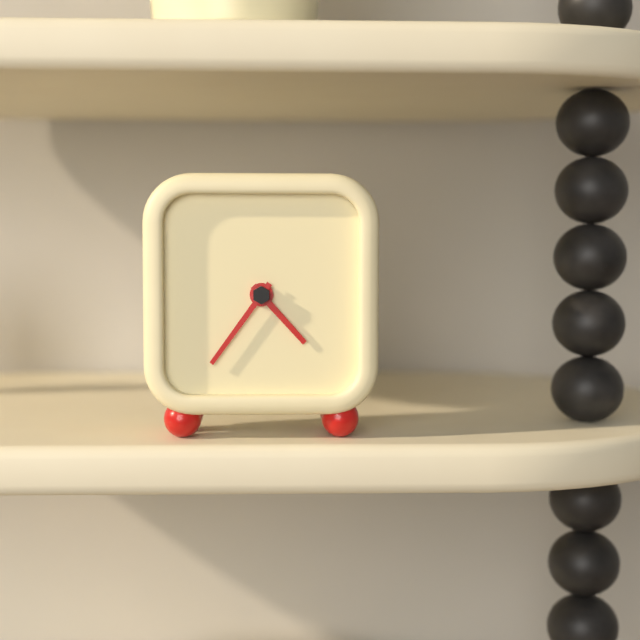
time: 4:36
